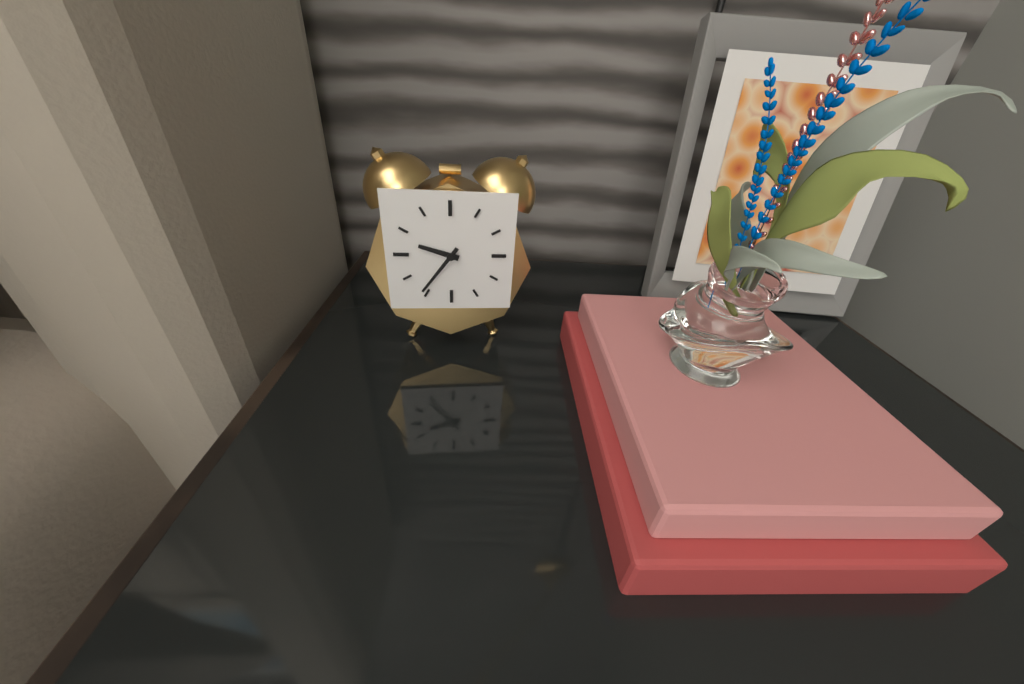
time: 9:36
